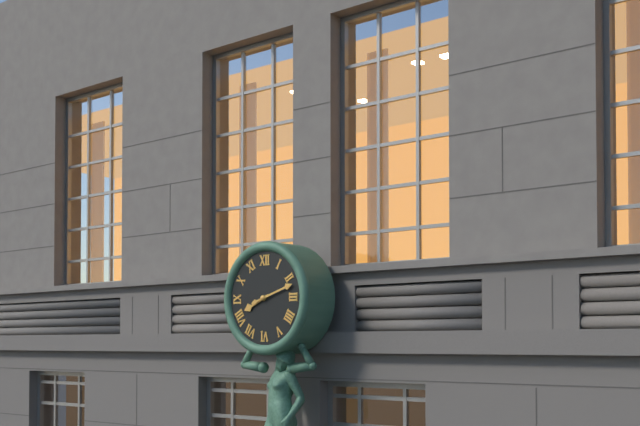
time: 8:12
